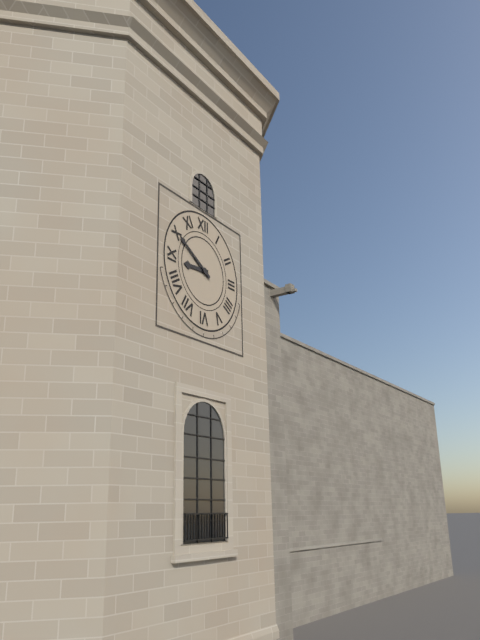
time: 8:50
